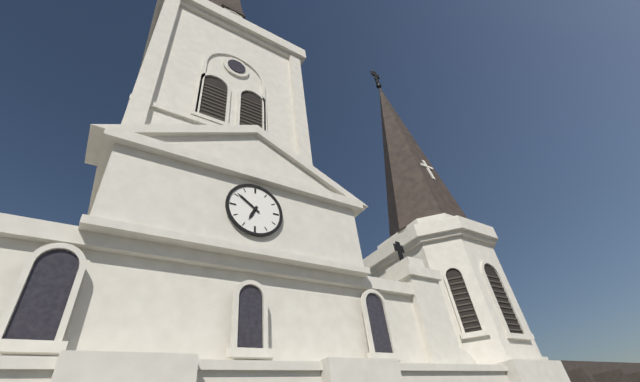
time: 6:51
